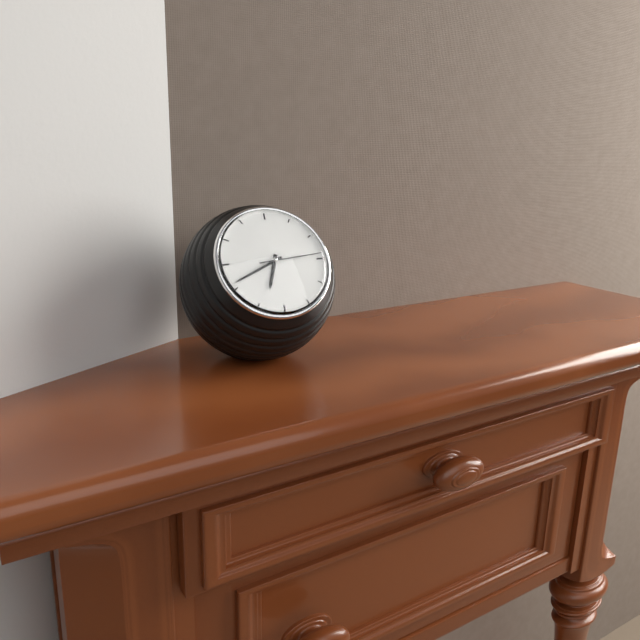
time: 6:41:14
